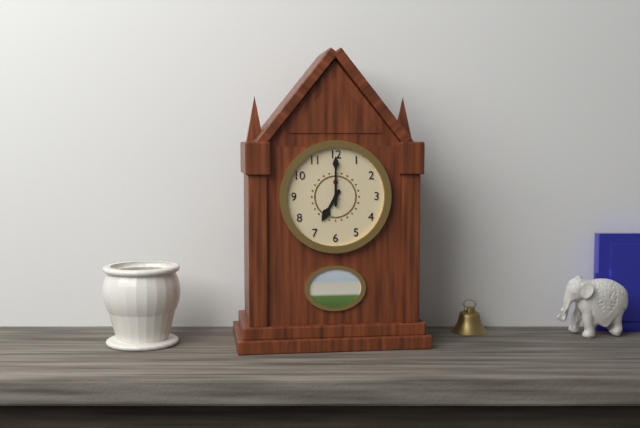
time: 7:00
